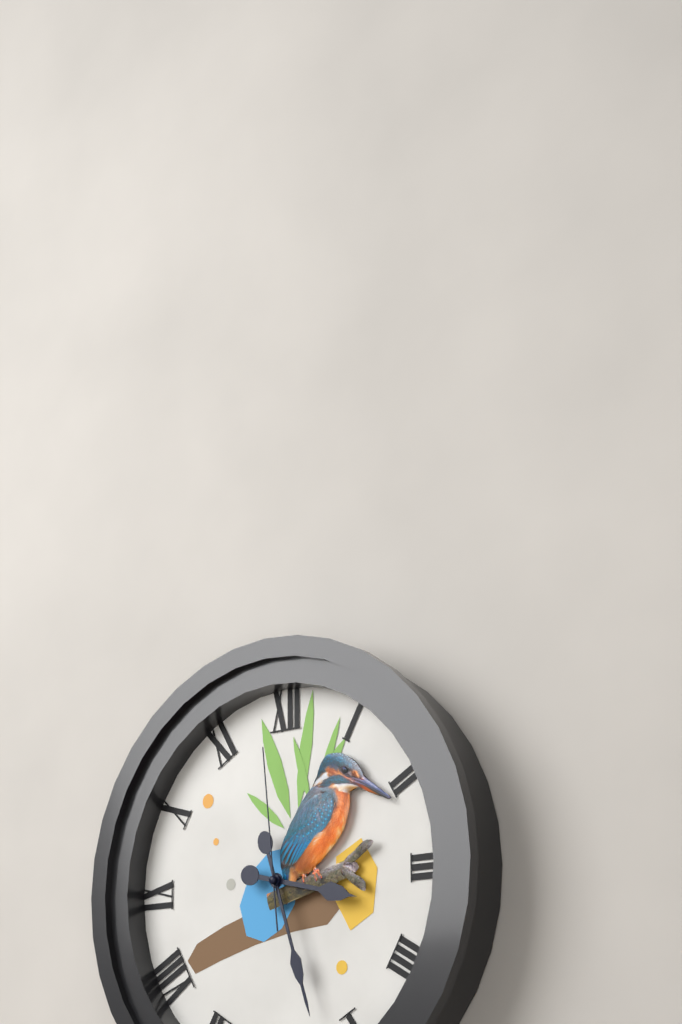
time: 3:27:59
